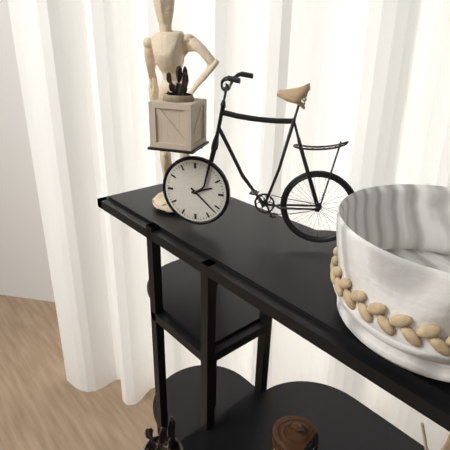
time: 2:22
